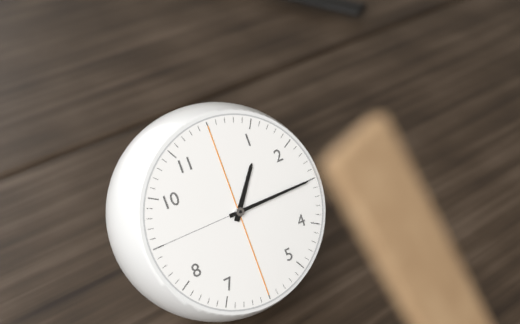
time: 1:15
